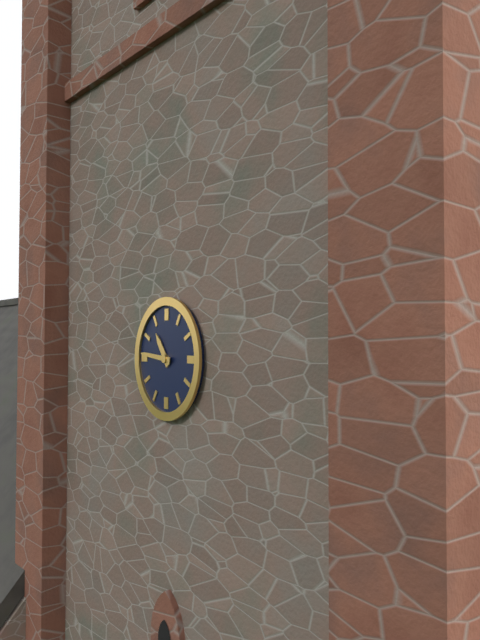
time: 10:46
